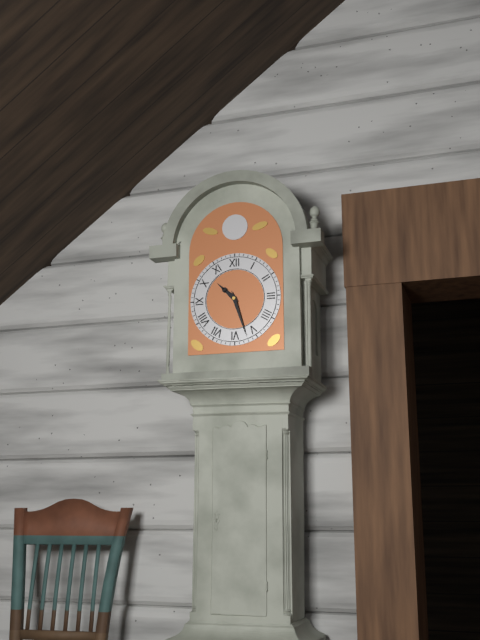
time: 10:27
